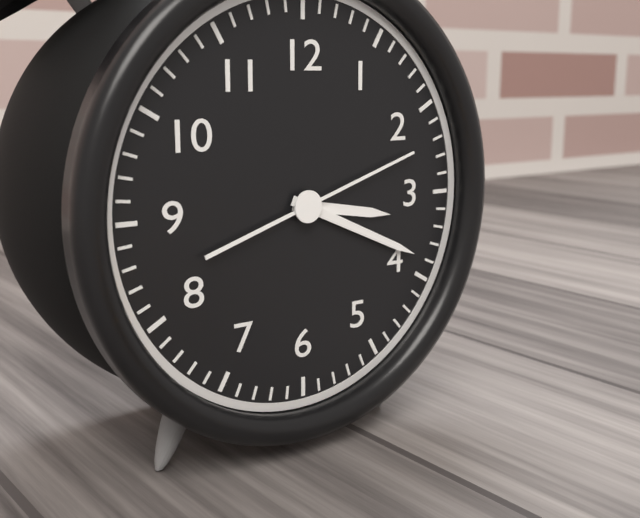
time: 3:19:12
